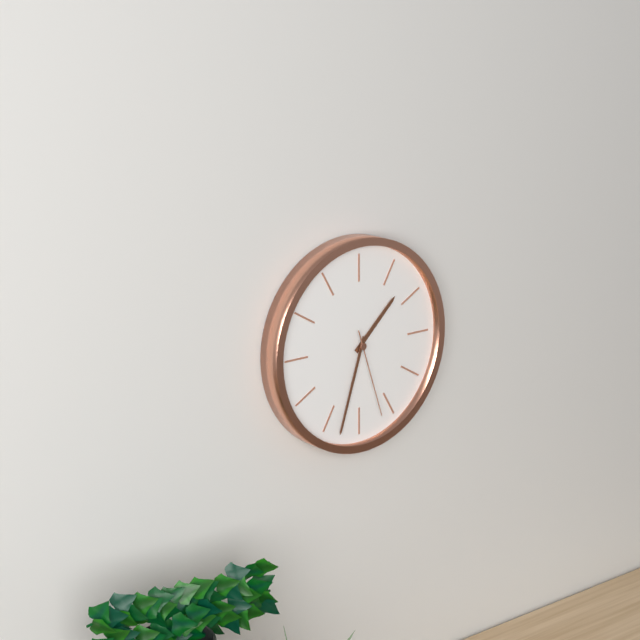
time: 1:33:27
